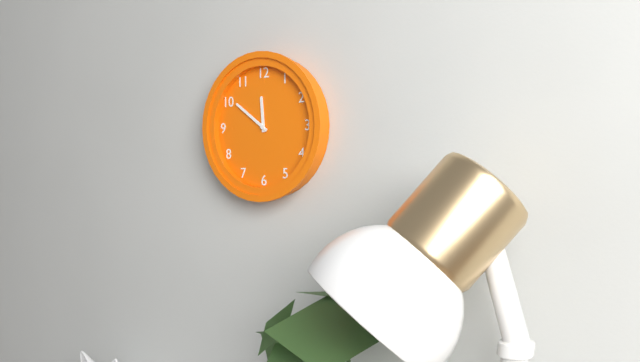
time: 11:51
